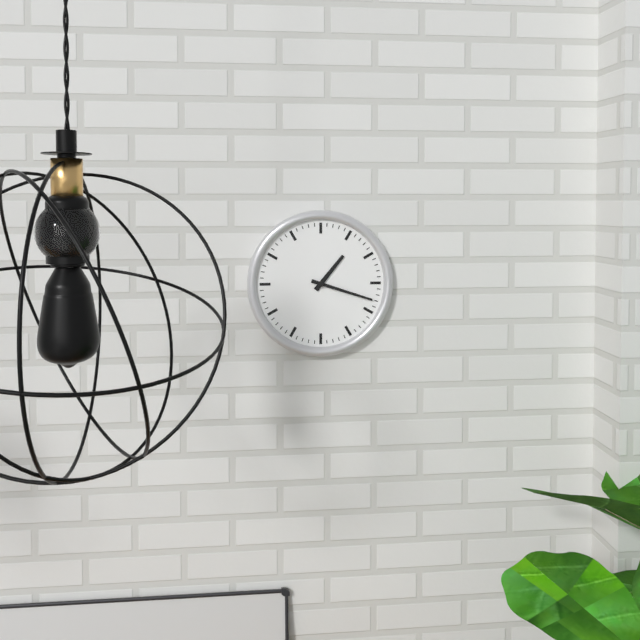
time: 1:18
